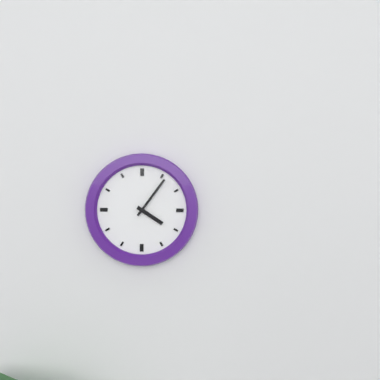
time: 4:06
